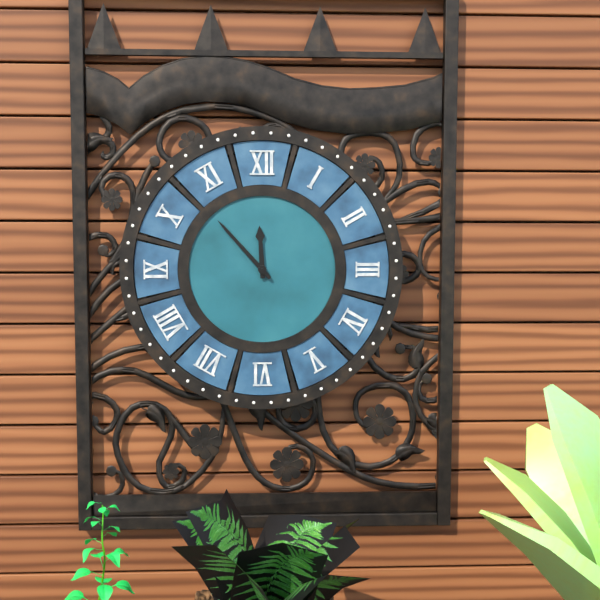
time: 11:53
